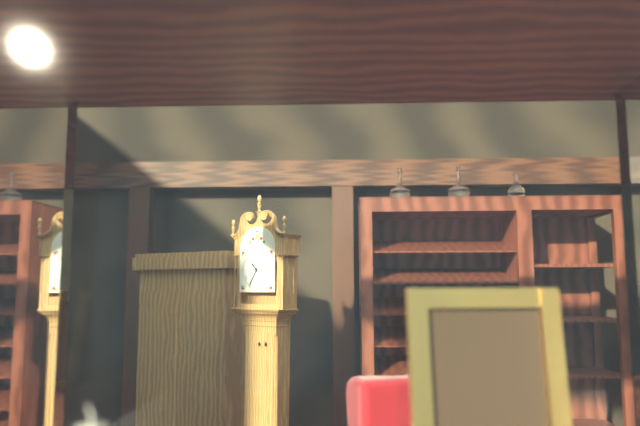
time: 10:35
